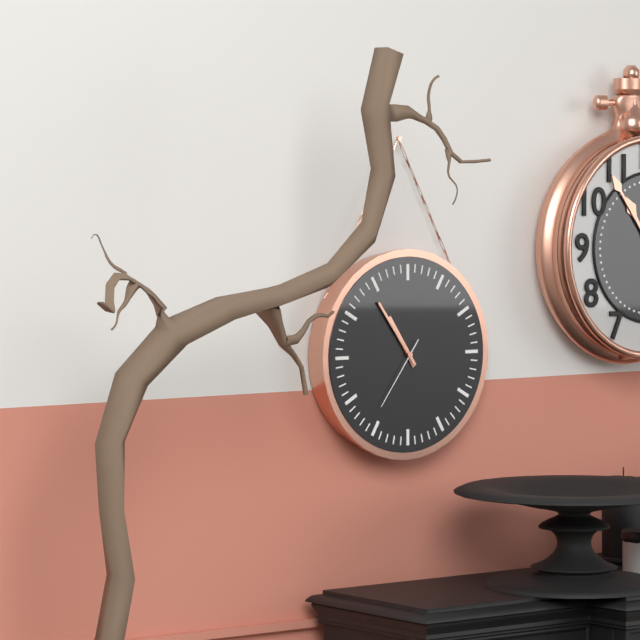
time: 10:54:36
